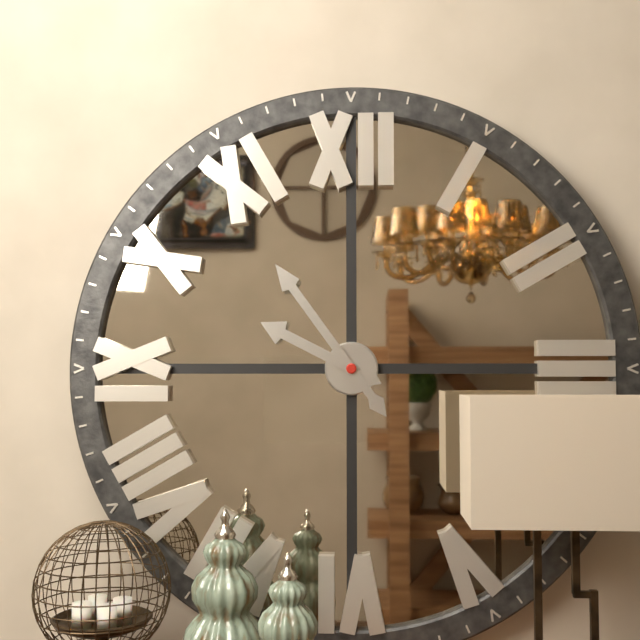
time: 9:54
